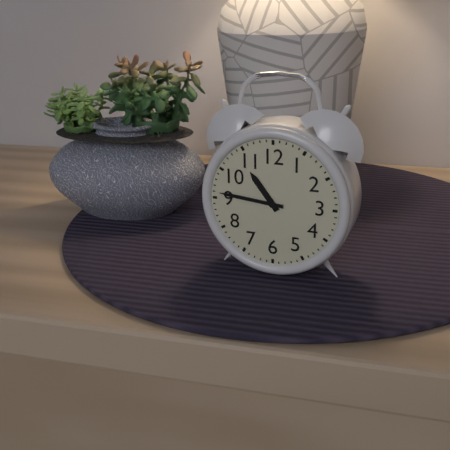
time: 10:46
